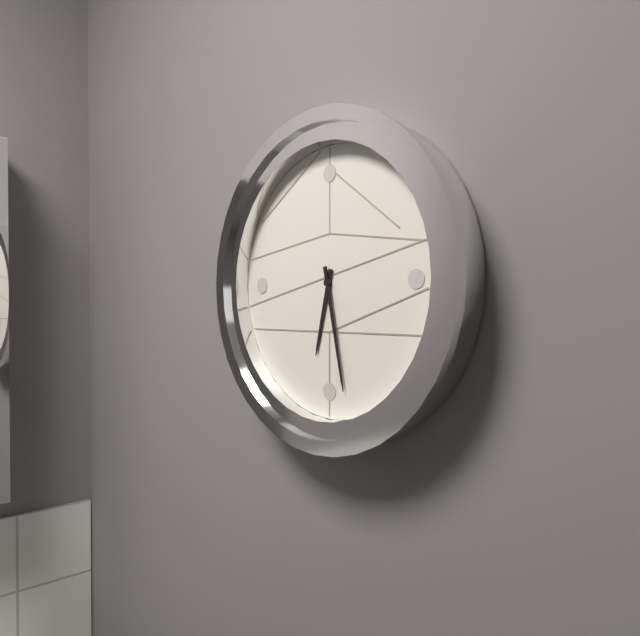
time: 6:28
